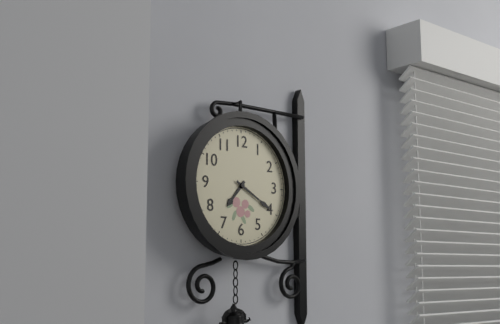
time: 7:20
